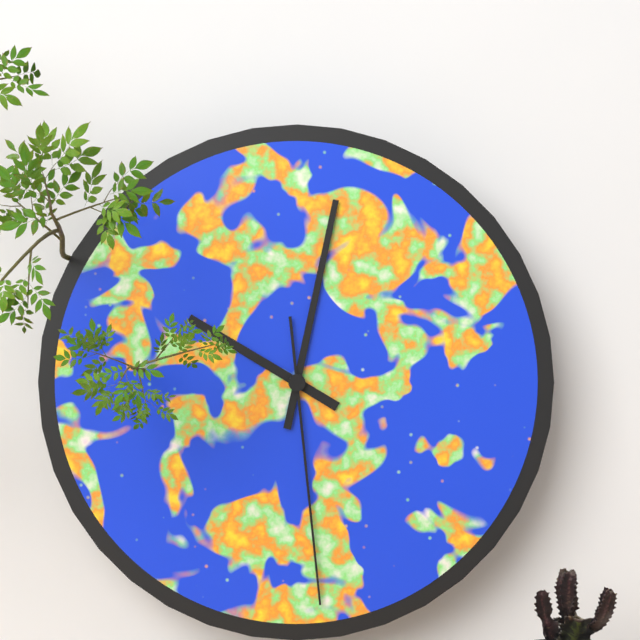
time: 10:02:29
